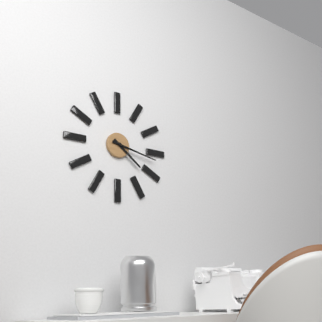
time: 4:17
